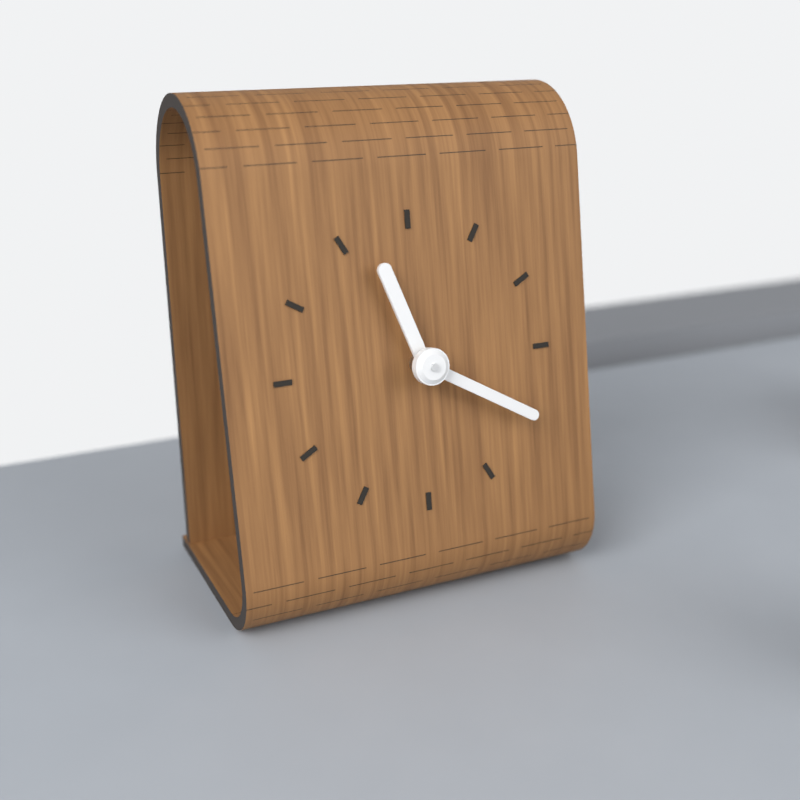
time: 11:20
